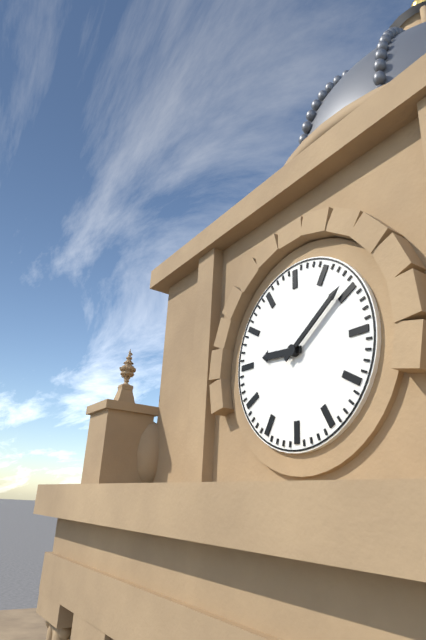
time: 9:09
